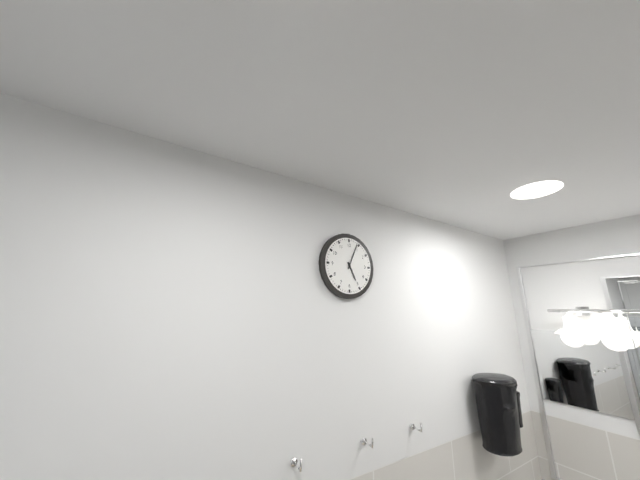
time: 5:04
